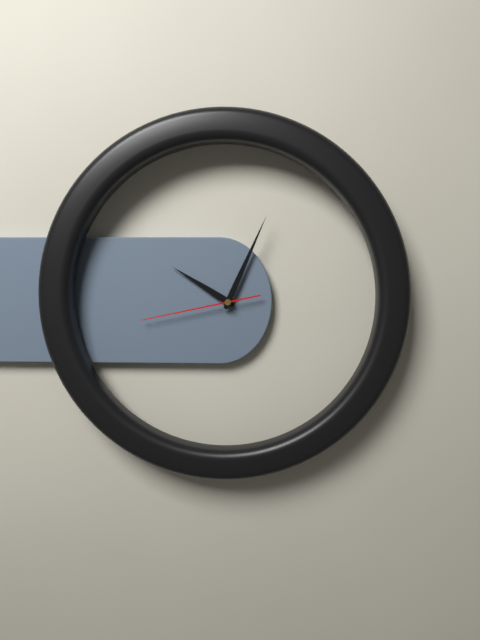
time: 10:04:43
